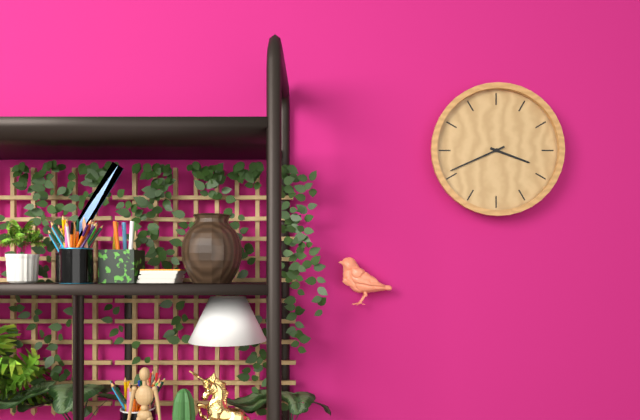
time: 3:41
